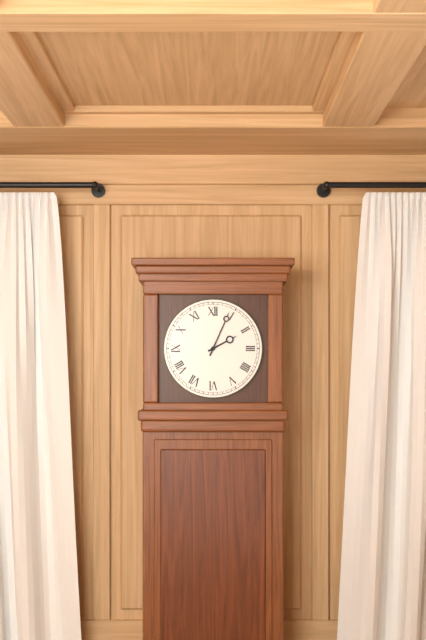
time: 2:04
